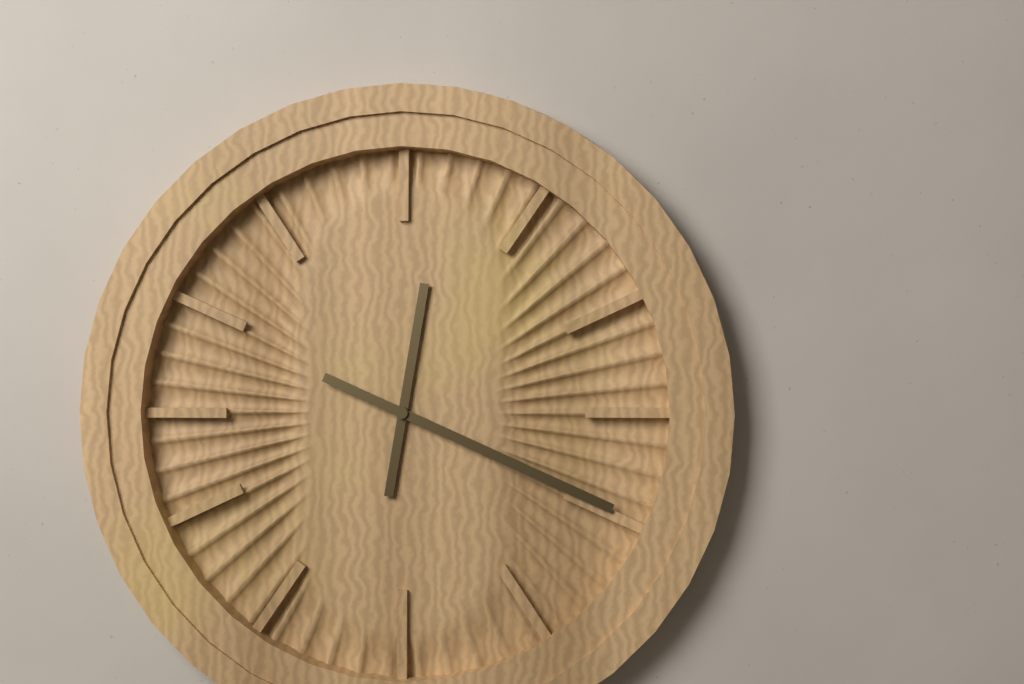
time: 12:19
